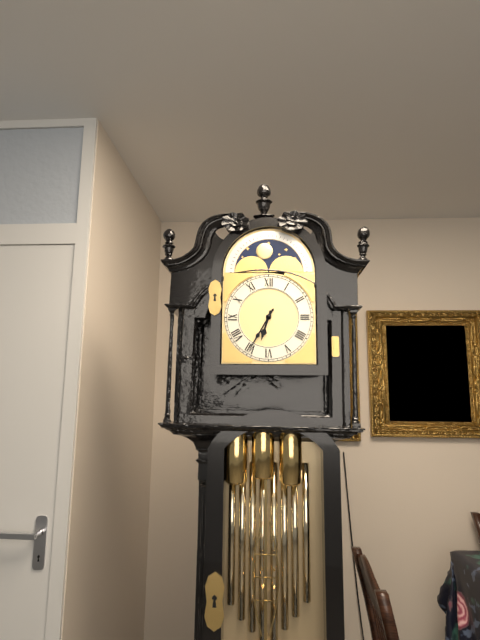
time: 6:35
